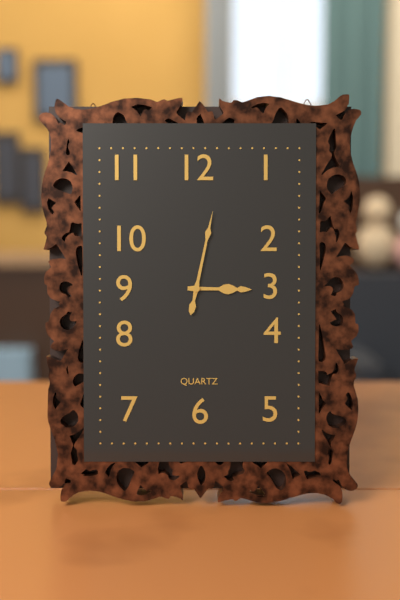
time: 3:02
